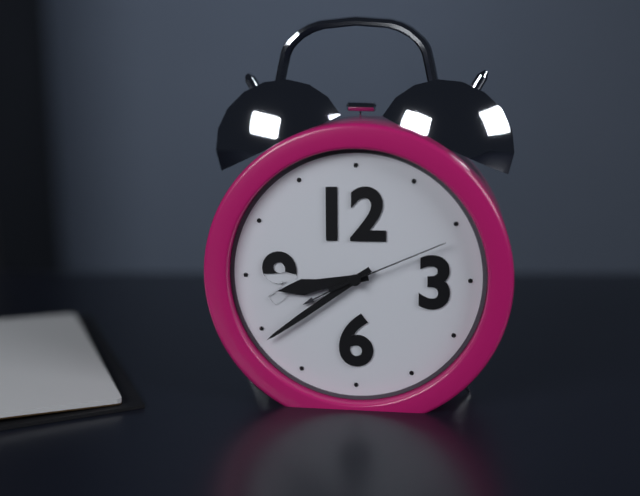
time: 8:39:11
